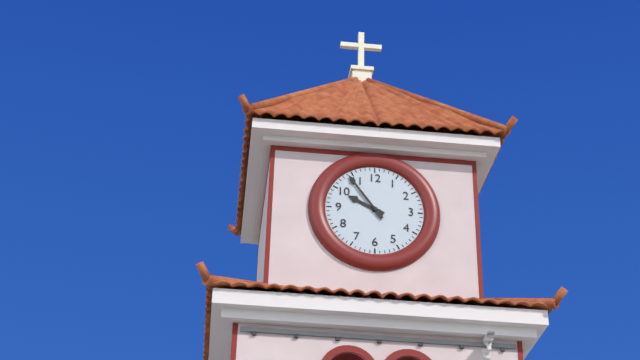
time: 9:54
